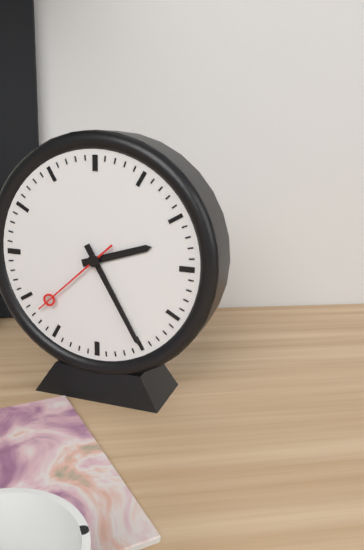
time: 2:25:38
